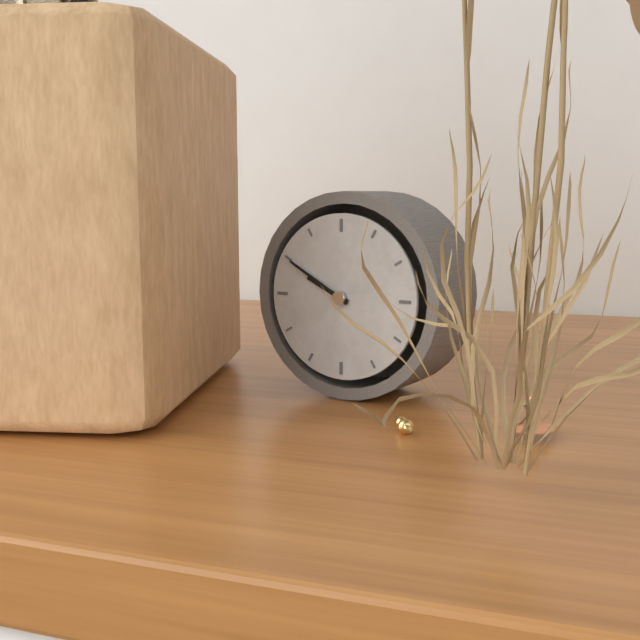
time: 9:50
